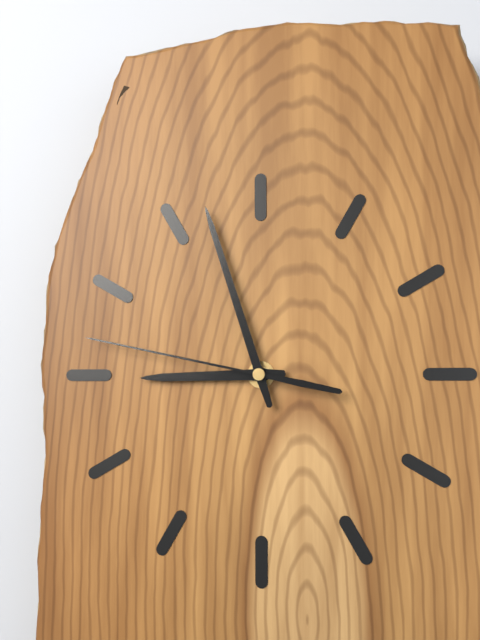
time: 8:57:47
